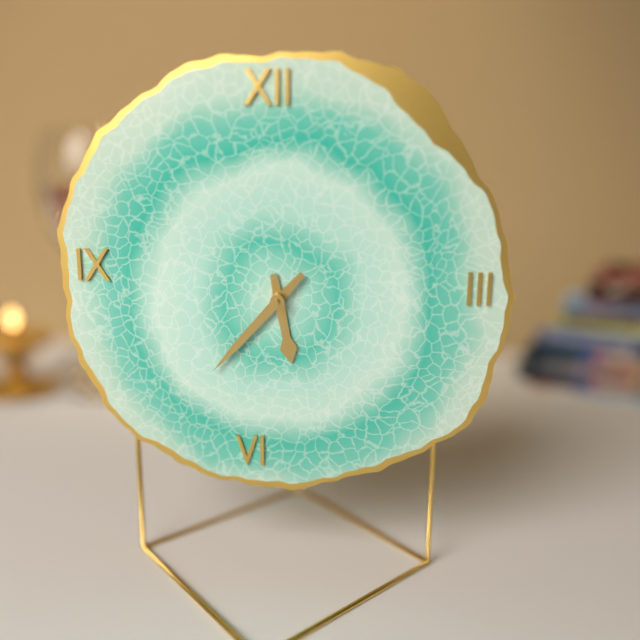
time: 5:37
